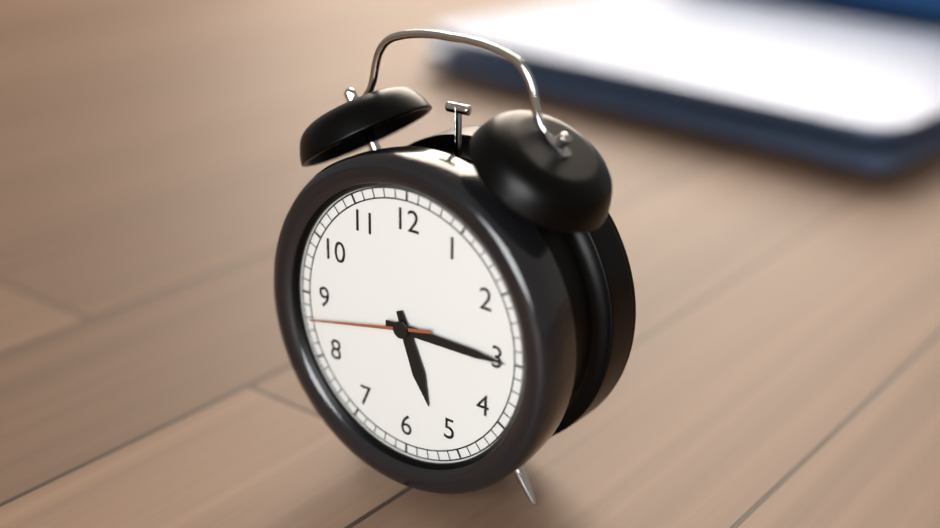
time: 5:15:43
